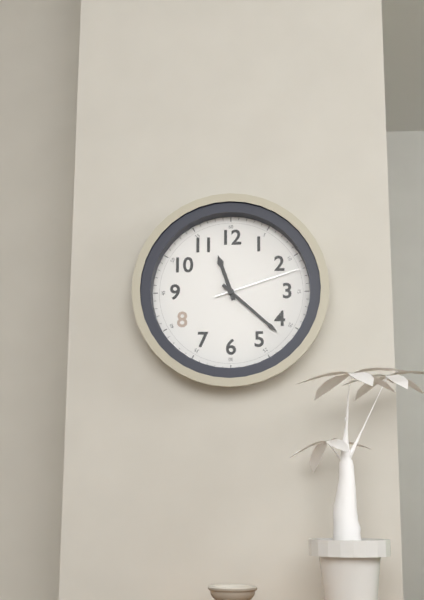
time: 11:22:12
